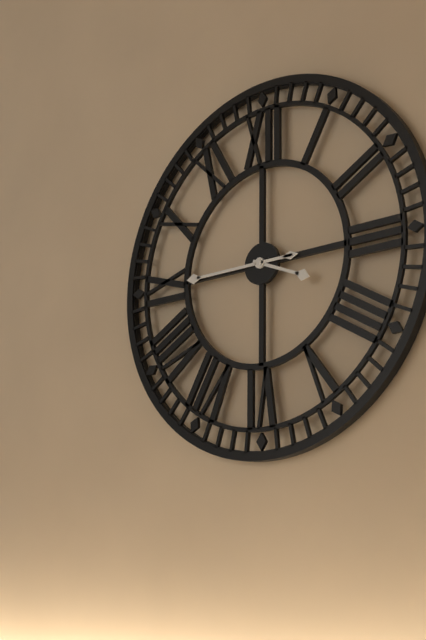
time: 3:45
